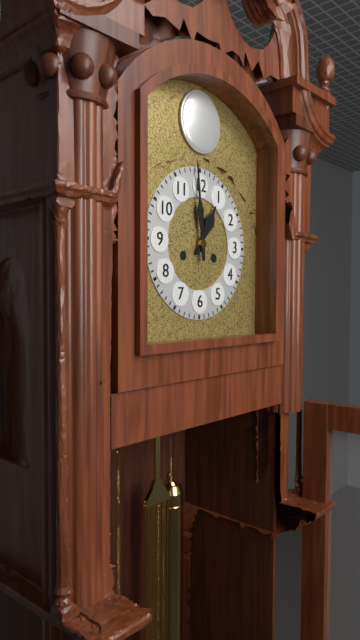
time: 12:59
